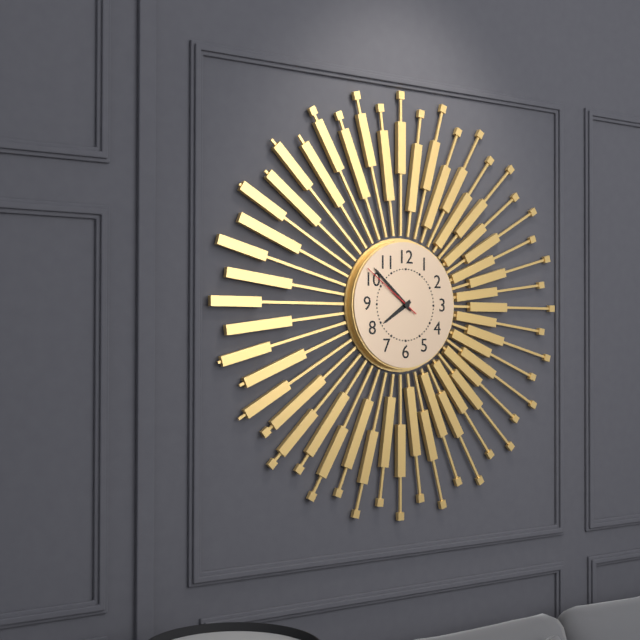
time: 7:52:51
